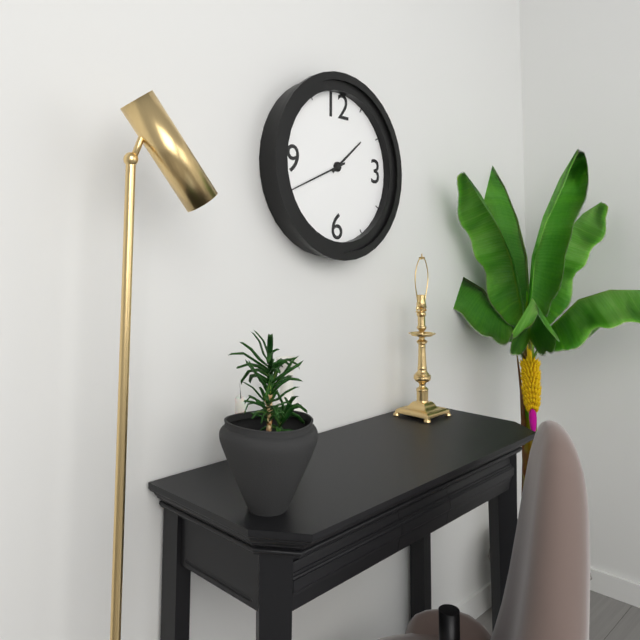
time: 1:41
